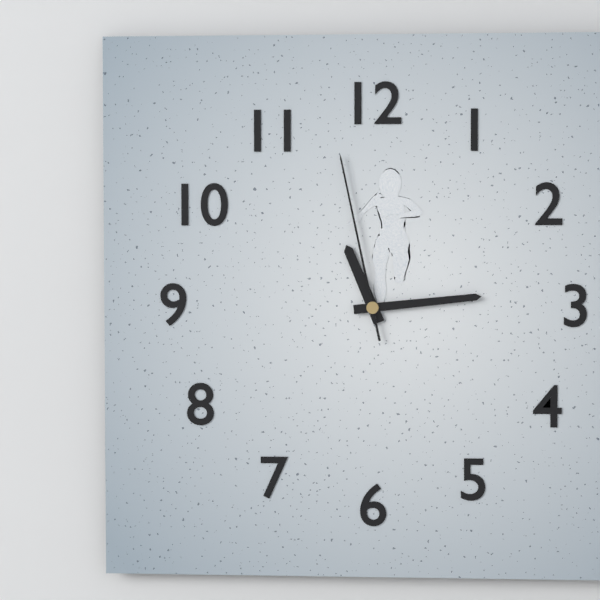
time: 11:14:58
